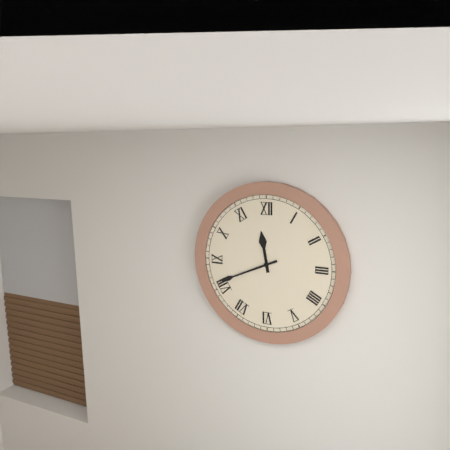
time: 11:41
